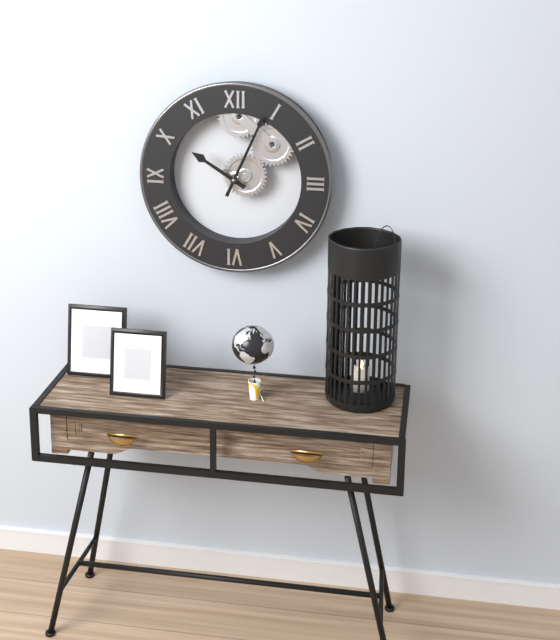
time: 10:04
